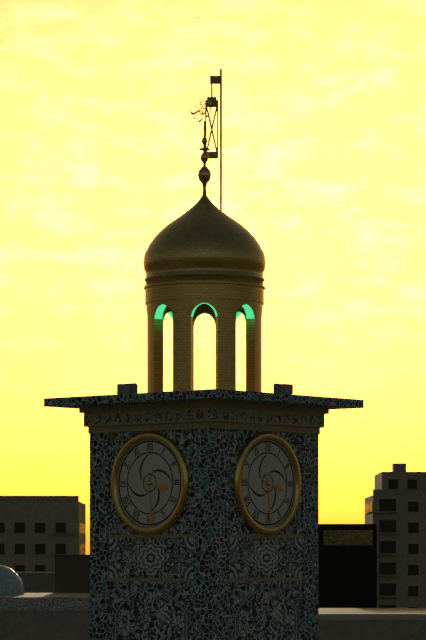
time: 3:29
